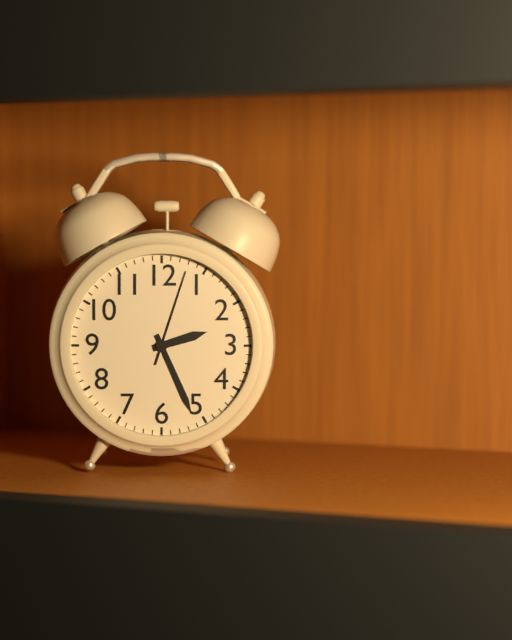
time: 2:26:03
